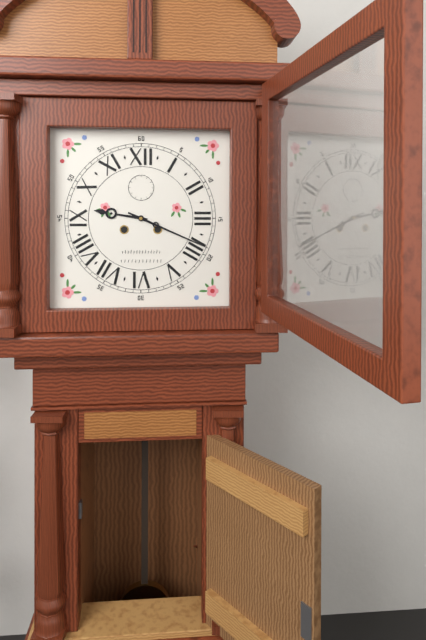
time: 9:19
